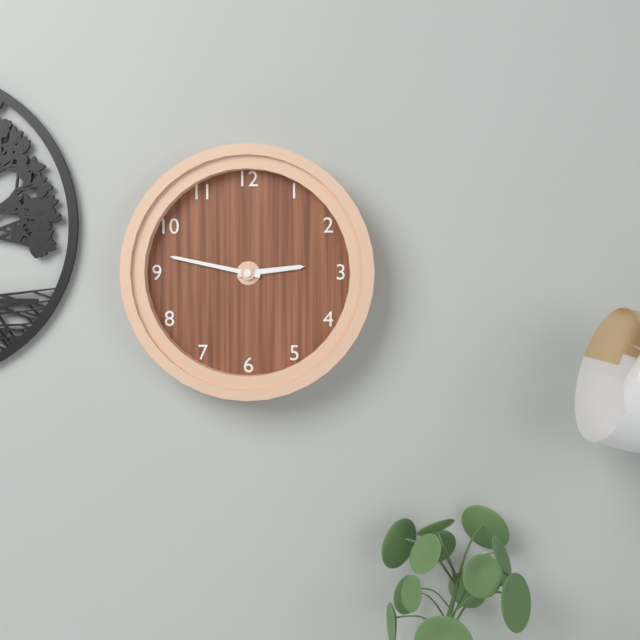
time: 2:47
